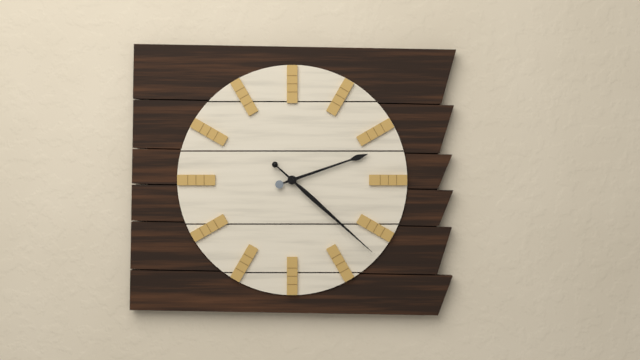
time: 2:22
